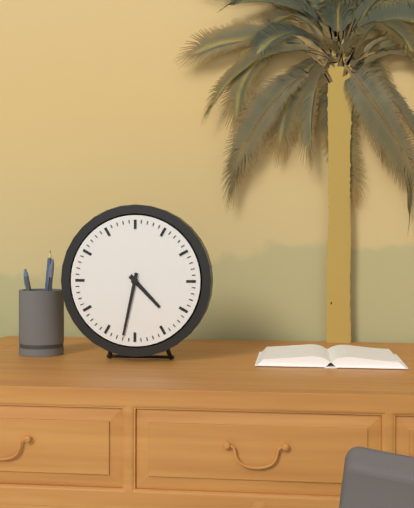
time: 4:32
